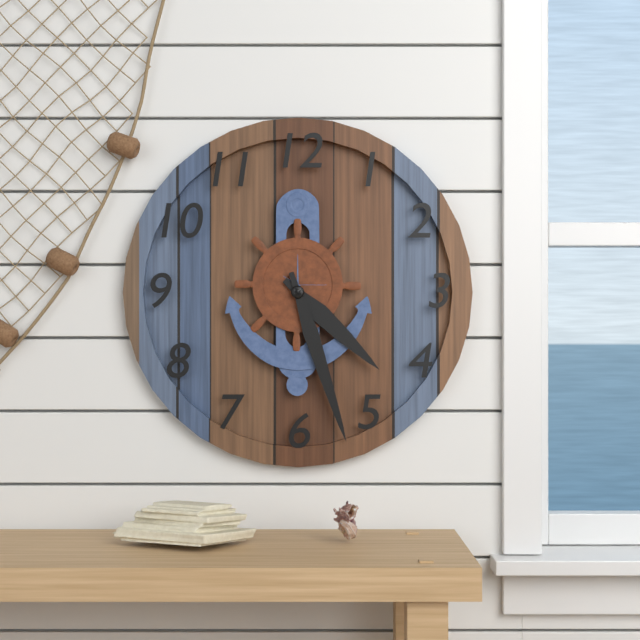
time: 4:27
